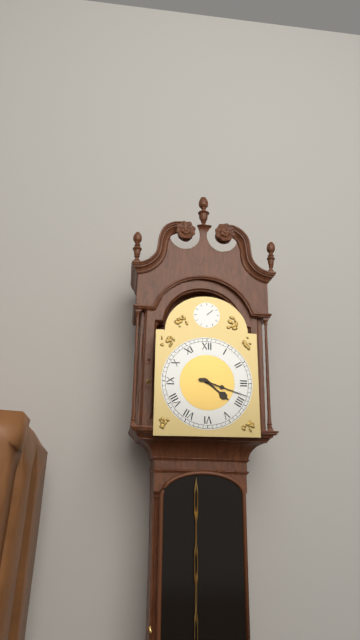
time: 4:18
